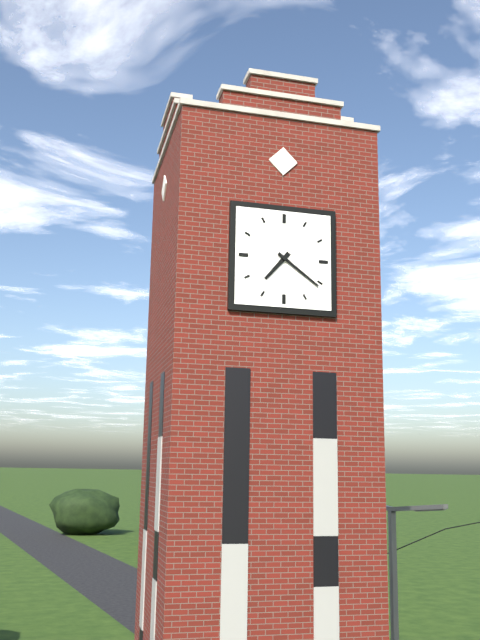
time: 7:21
